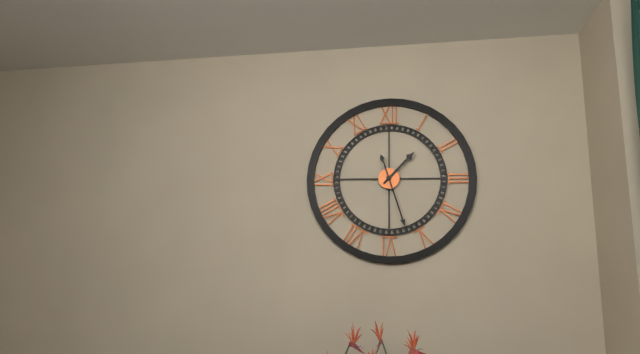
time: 1:27
